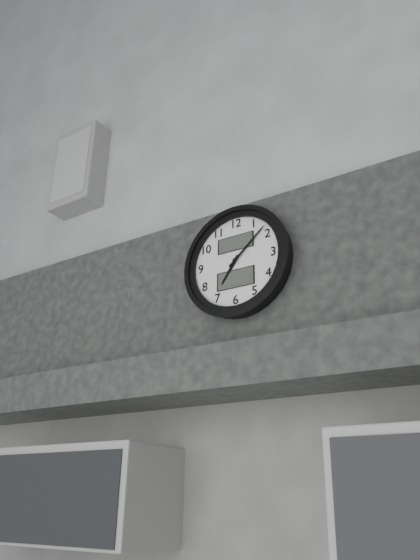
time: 7:08
